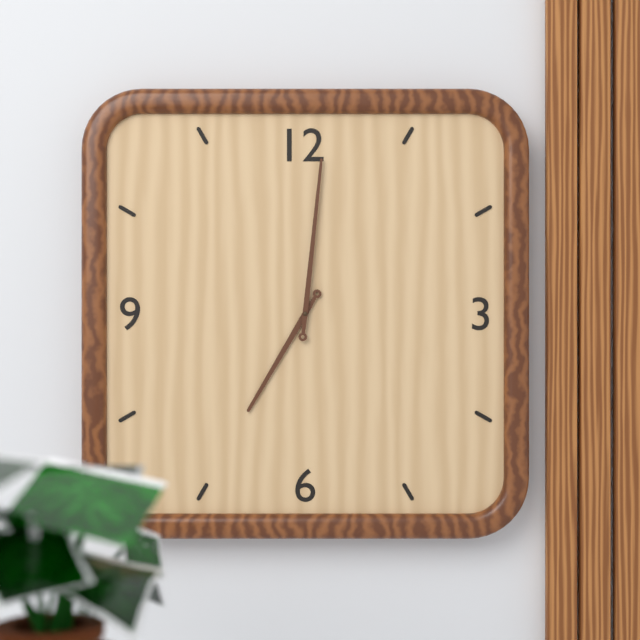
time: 7:01
